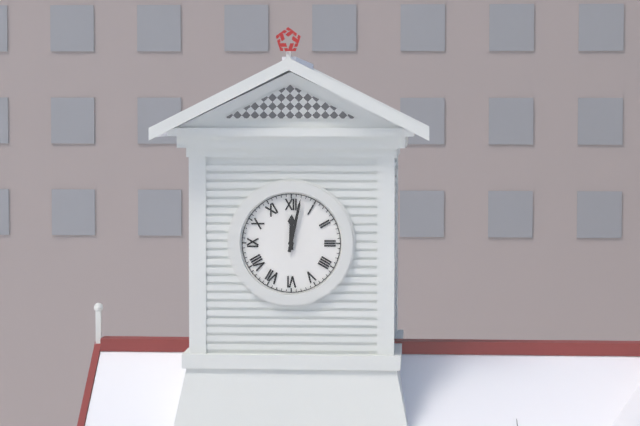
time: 12:02
